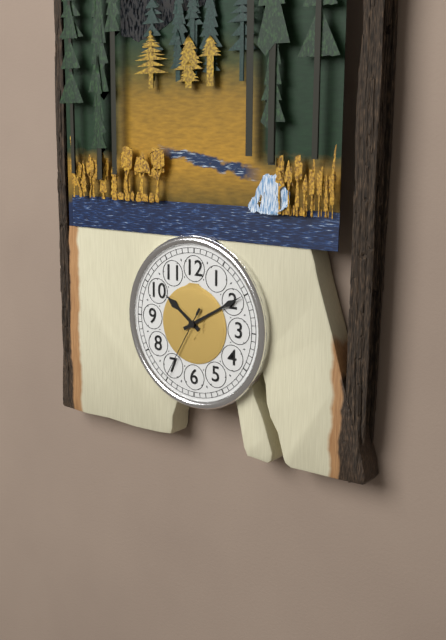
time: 10:10:35
